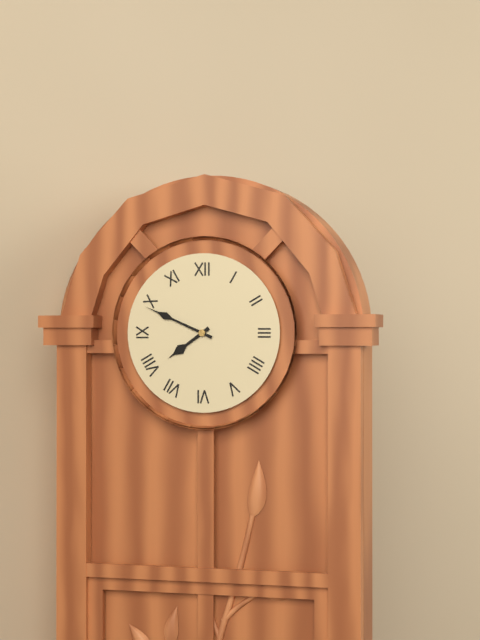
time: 7:49
